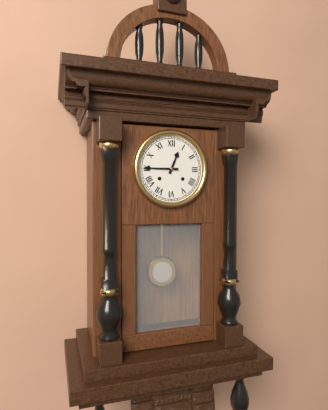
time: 12:45
